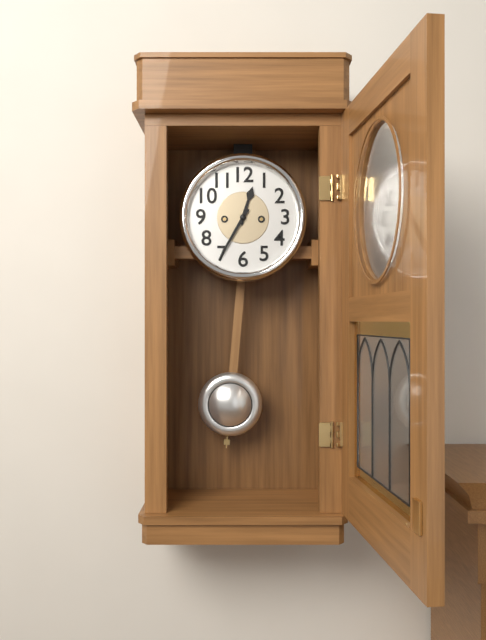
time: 12:35
